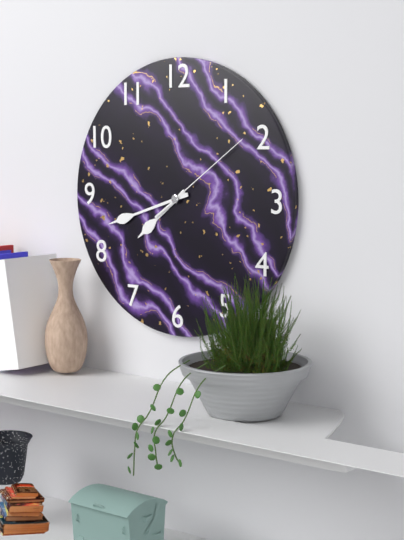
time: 7:42:09
